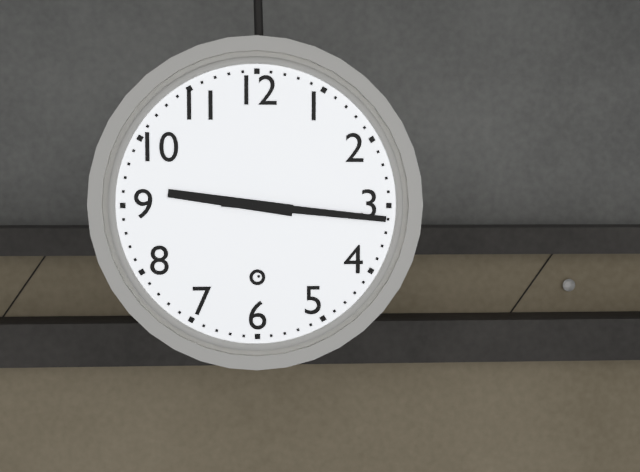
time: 9:16
